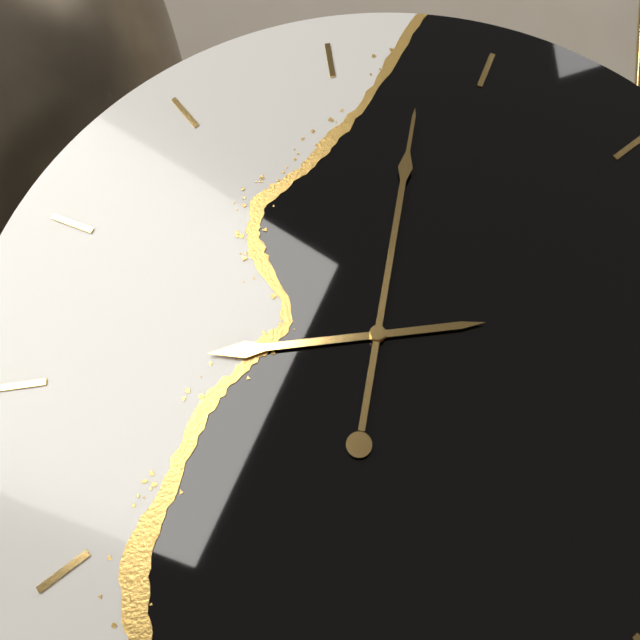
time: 9:03
